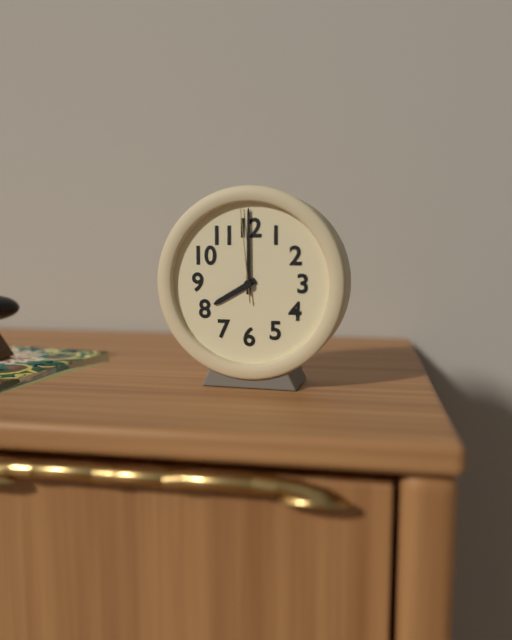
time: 8:00:59
